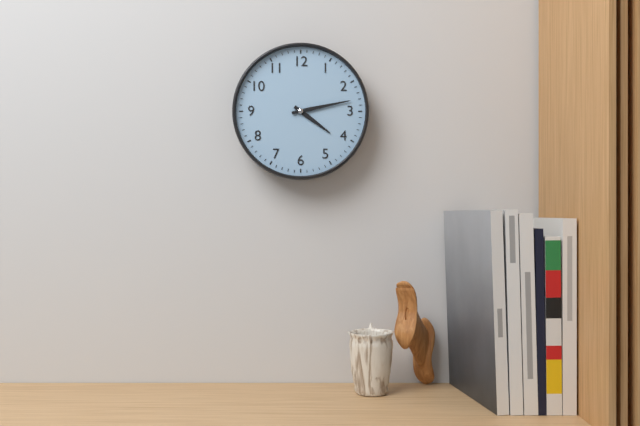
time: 4:13
